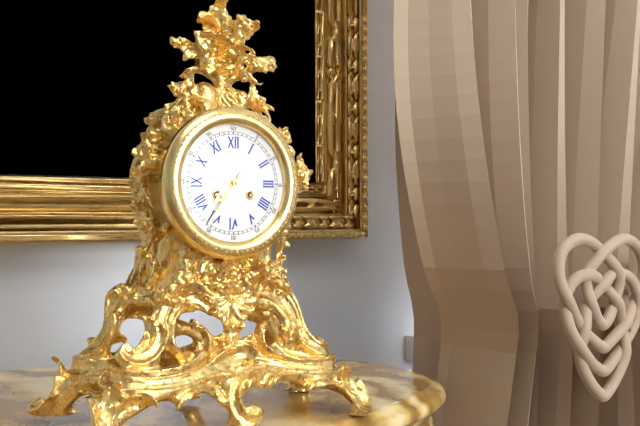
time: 7:36
